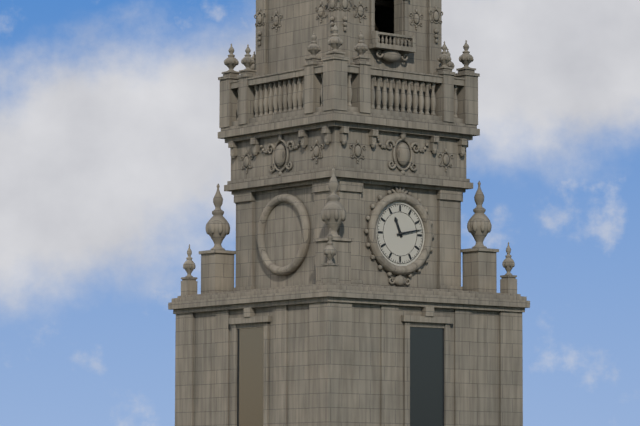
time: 11:13
